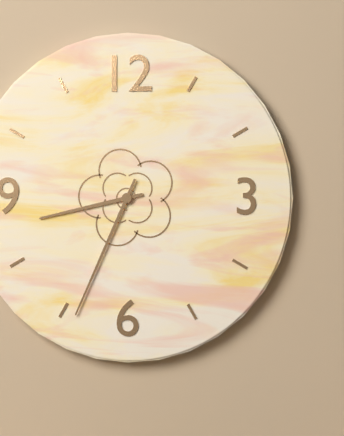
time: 8:34
